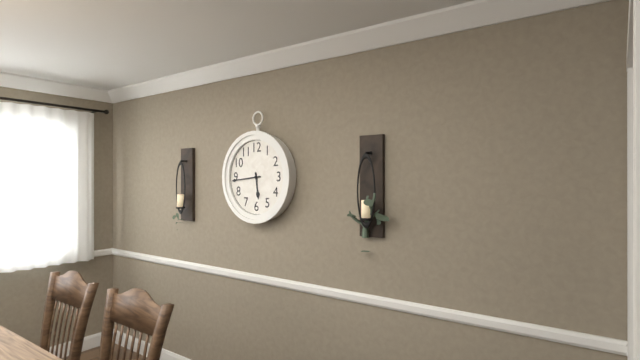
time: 5:44
